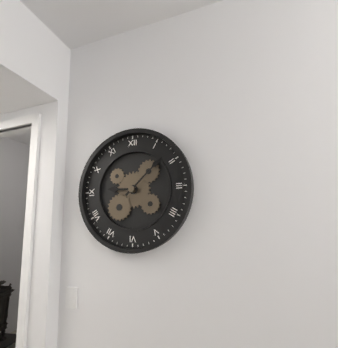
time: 9:08
